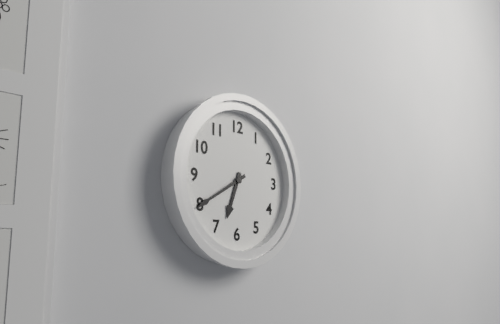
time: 6:40
